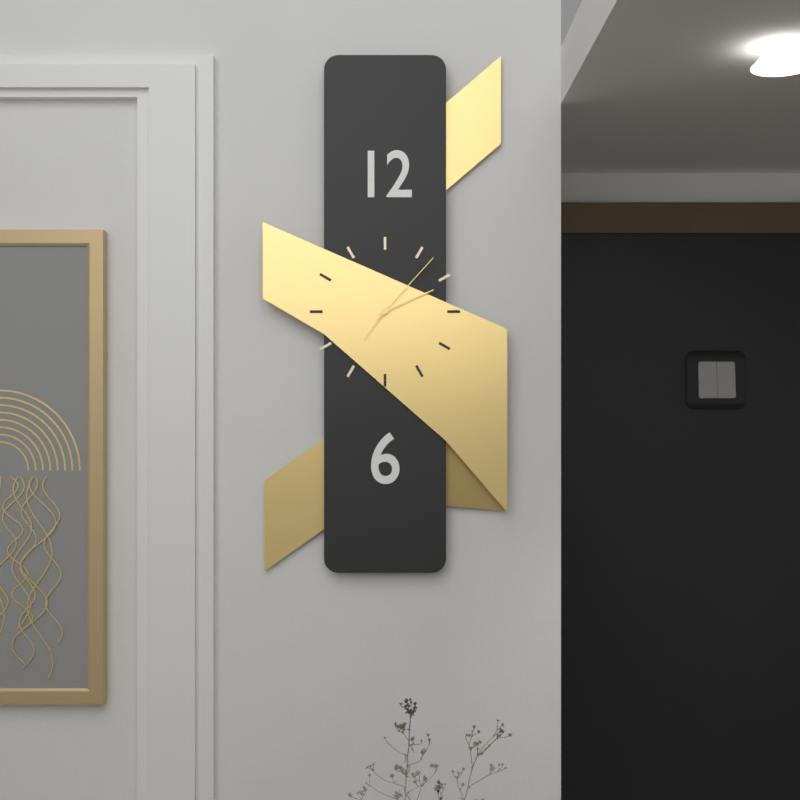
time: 7:11:07
